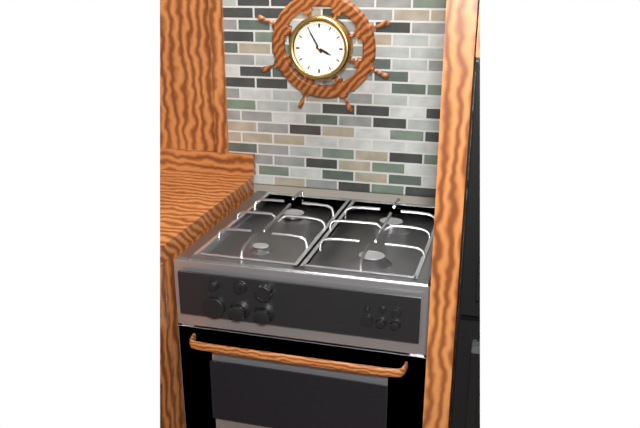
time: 3:55
